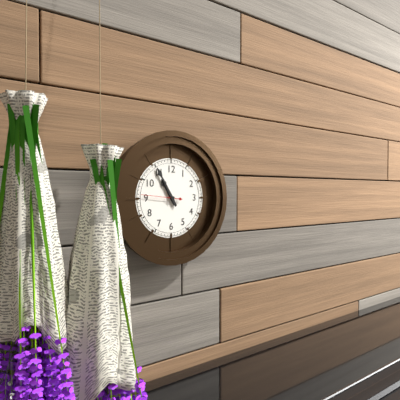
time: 10:55
